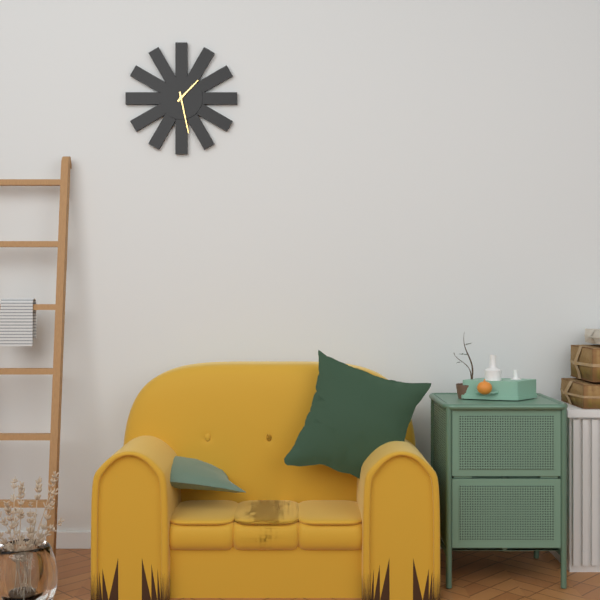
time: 1:28
